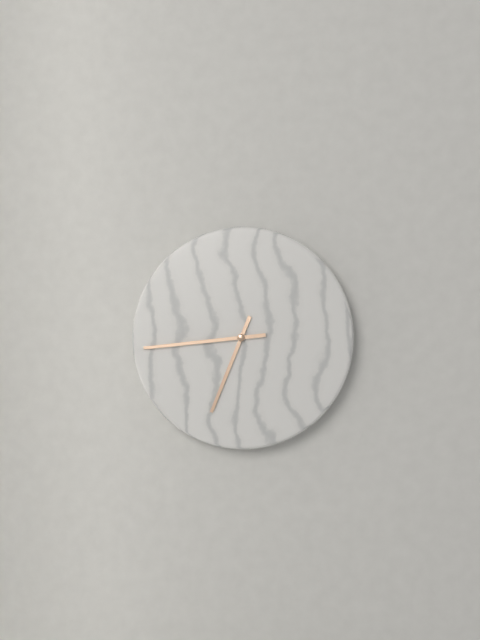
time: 6:44
